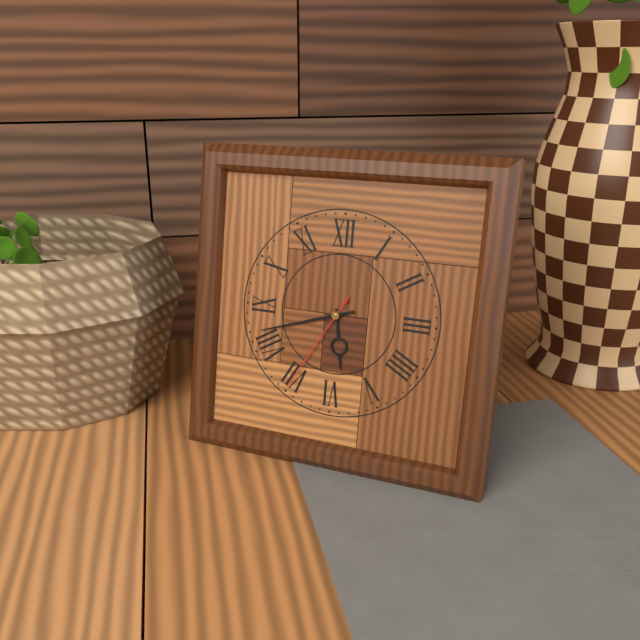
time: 5:42:35
